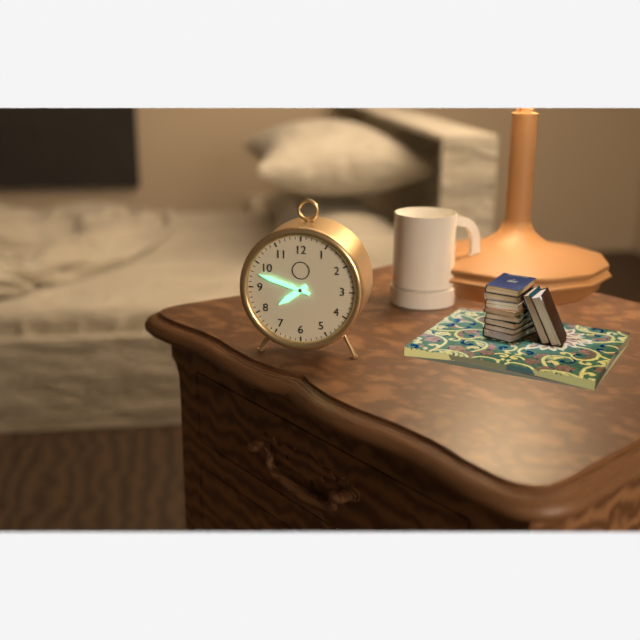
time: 7:48
